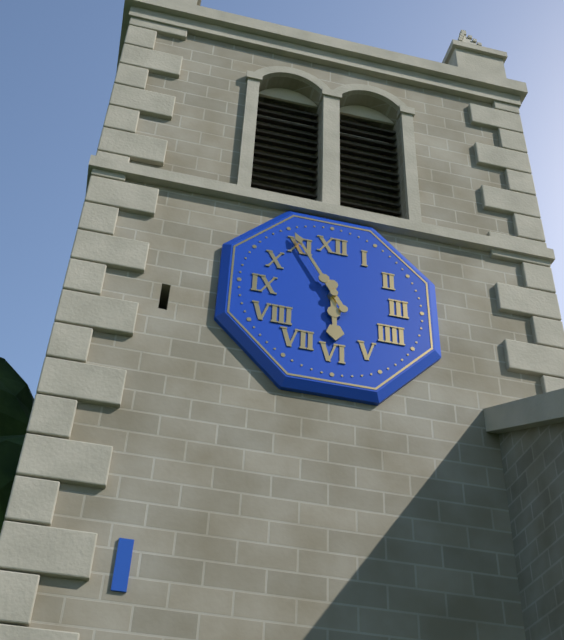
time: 5:55
